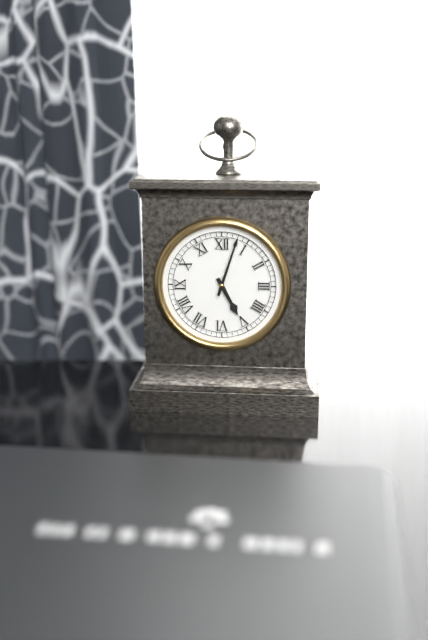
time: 5:03
